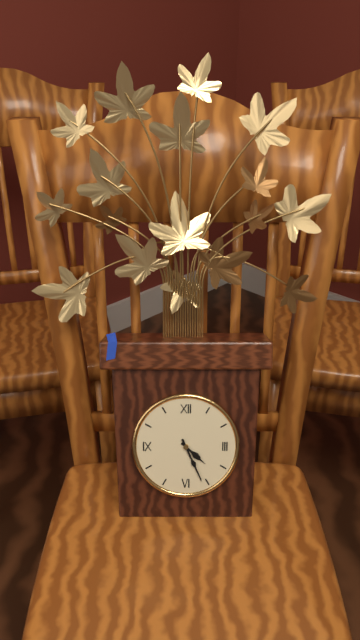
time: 4:26
